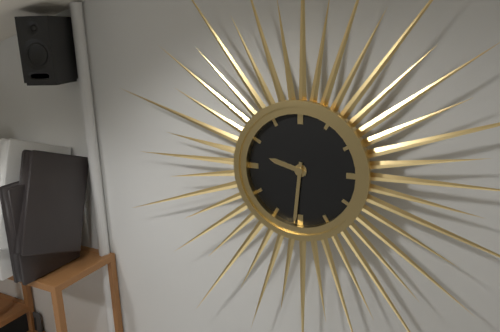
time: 9:31
